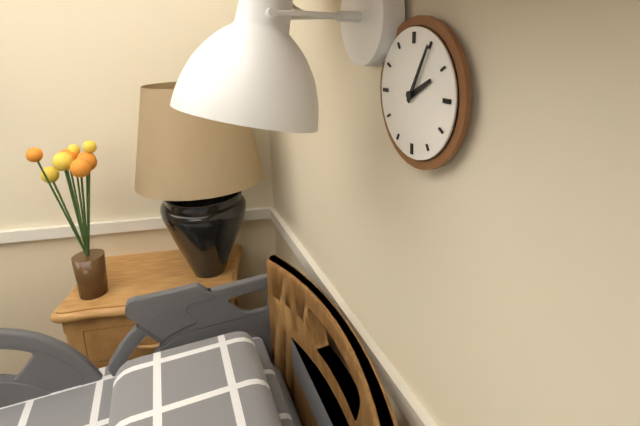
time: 2:05
